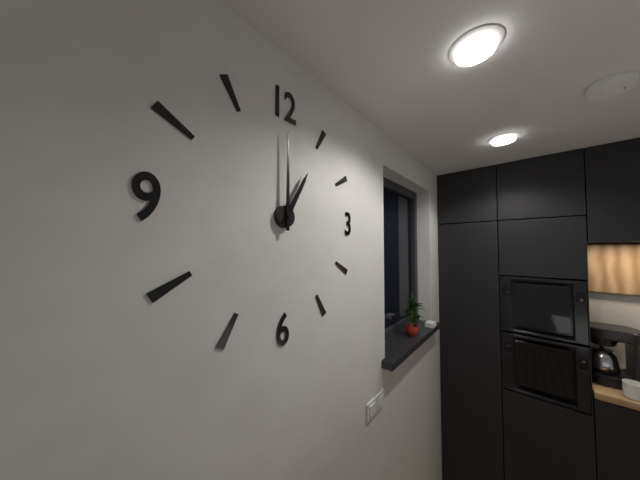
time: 1:00
